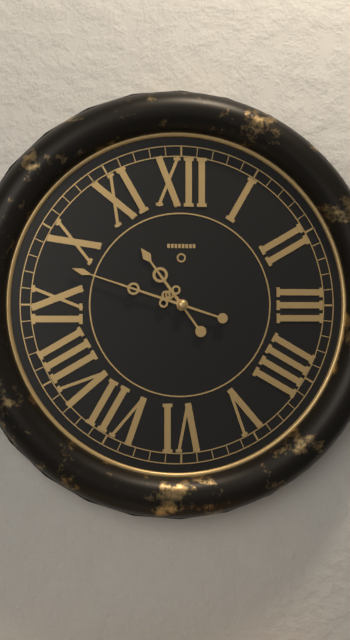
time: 10:48
